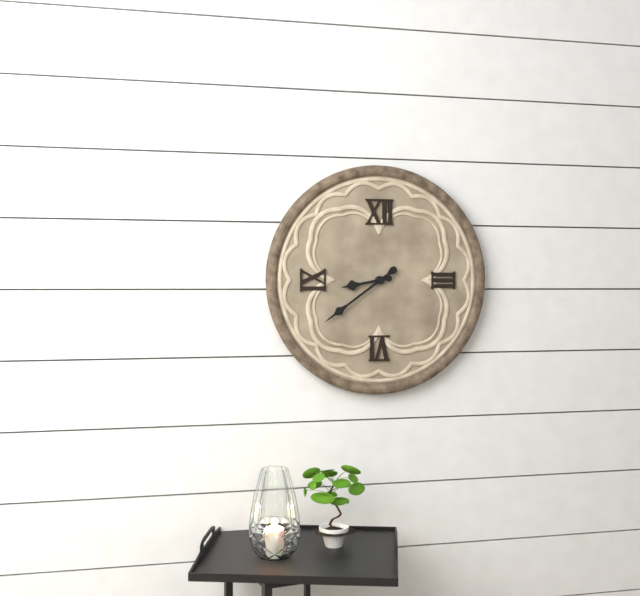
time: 8:39
